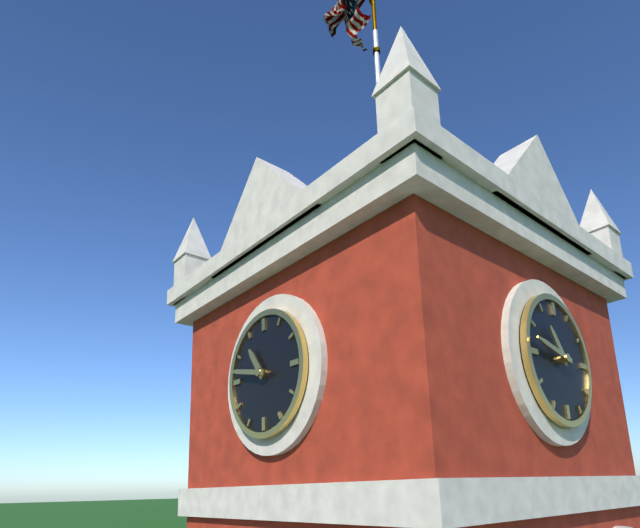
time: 10:47
